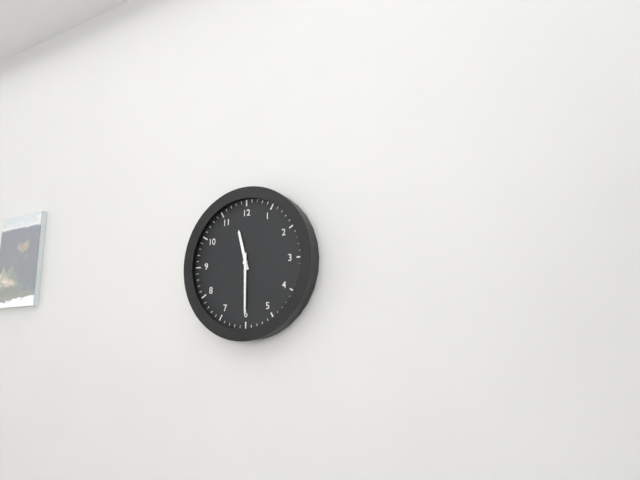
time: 11:30
